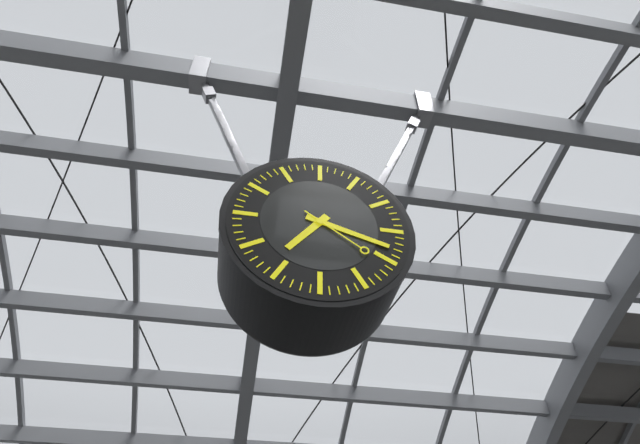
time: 7:18:21
